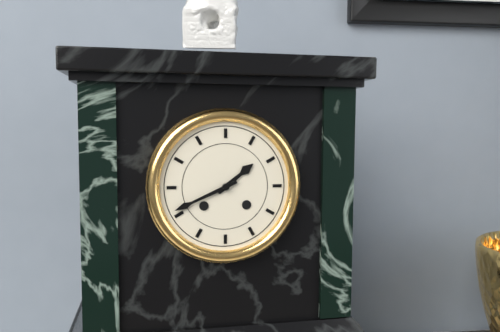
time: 1:41
